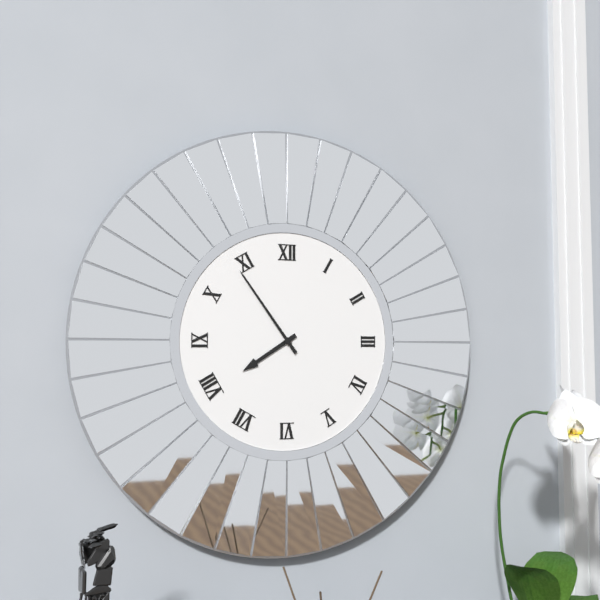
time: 7:54
